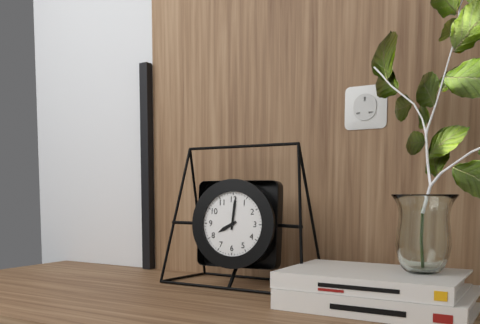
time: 8:01
